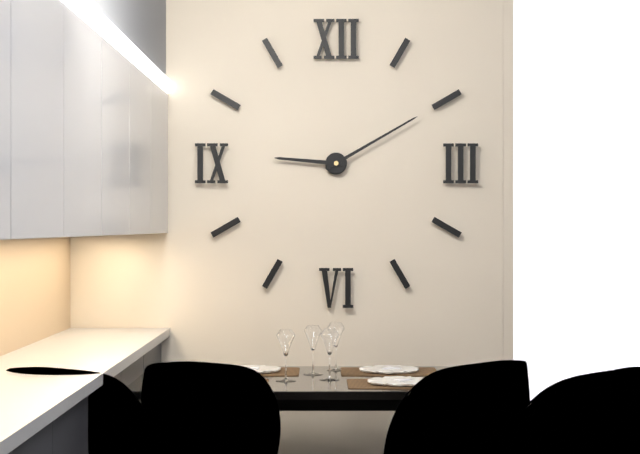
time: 9:10
